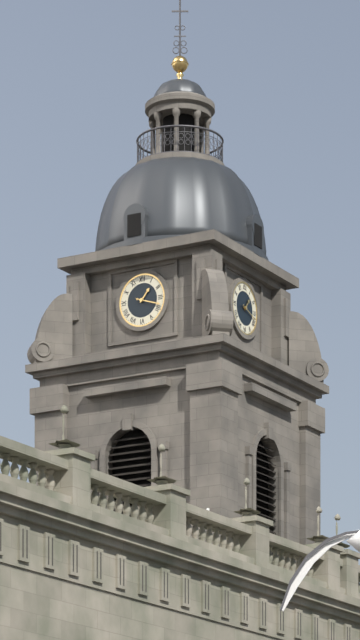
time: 1:18
